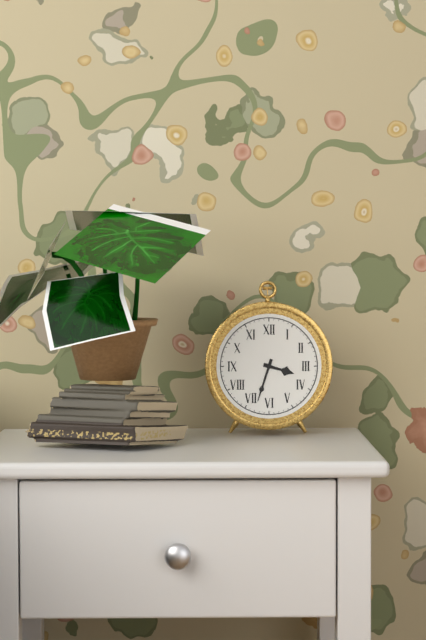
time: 3:33
